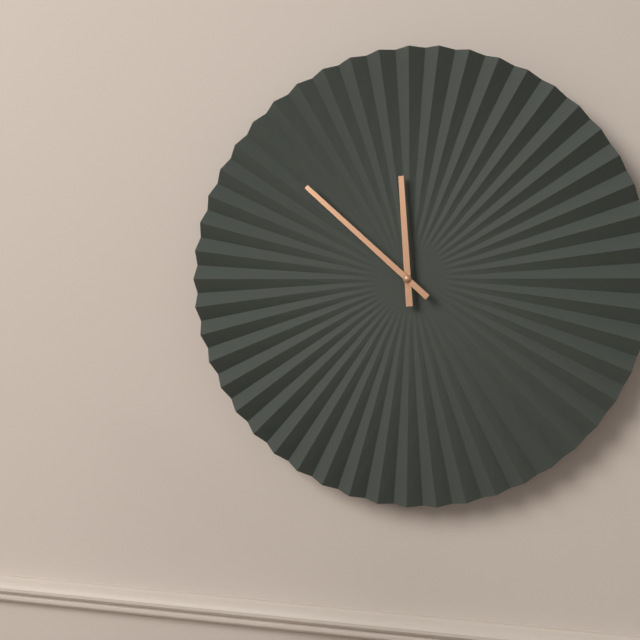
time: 11:52
